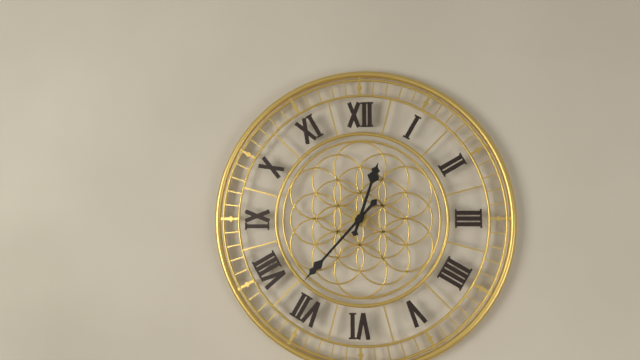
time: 12:37
